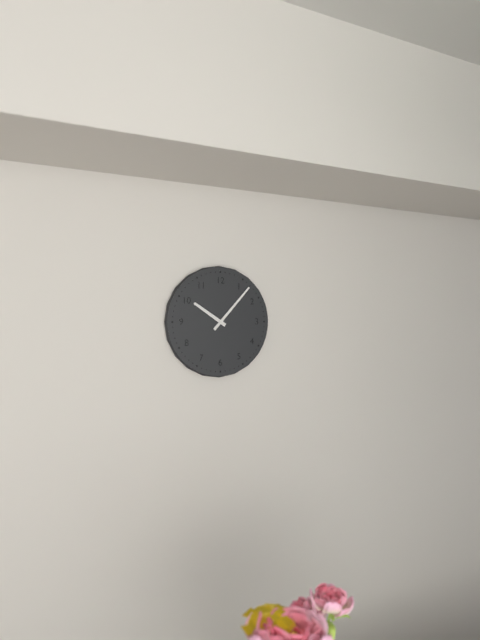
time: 10:07
